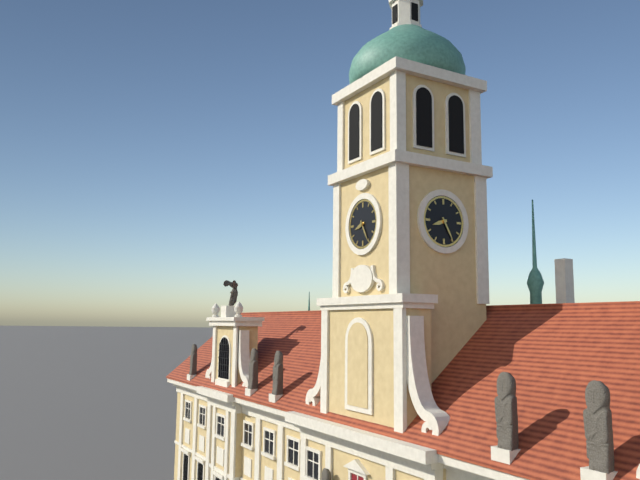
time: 8:25
